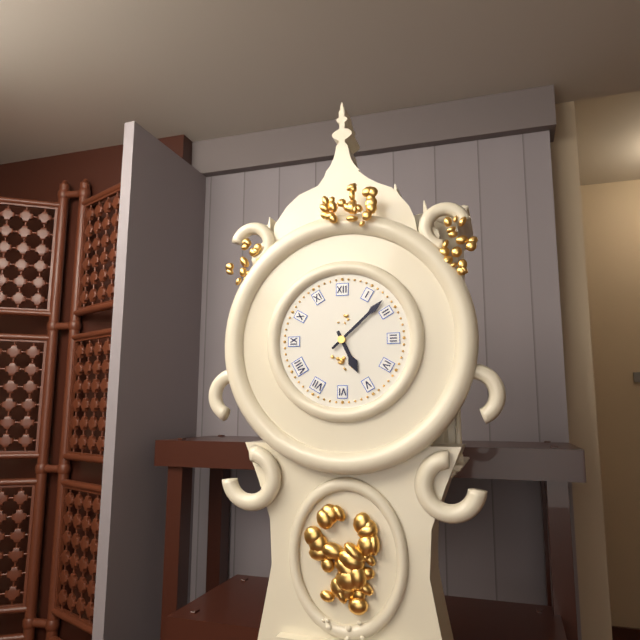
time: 5:08
